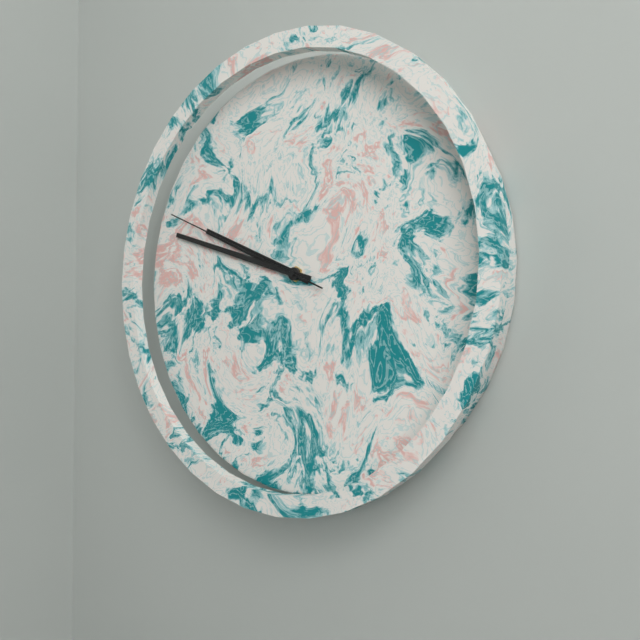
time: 9:48:49
